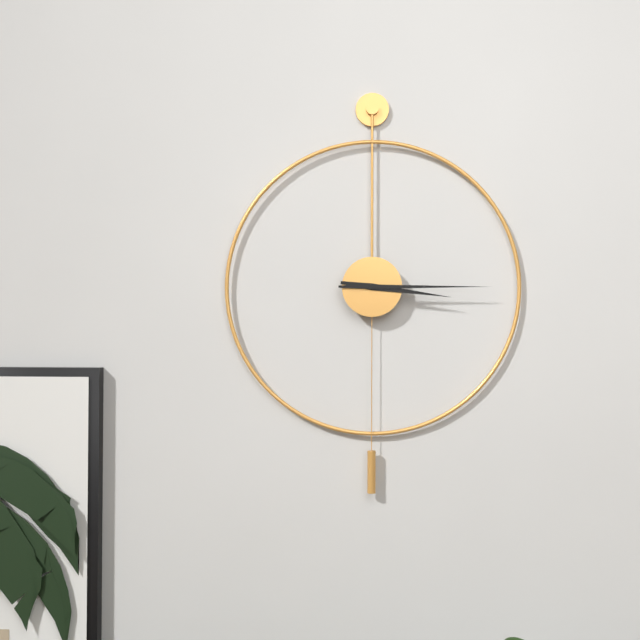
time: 3:15
